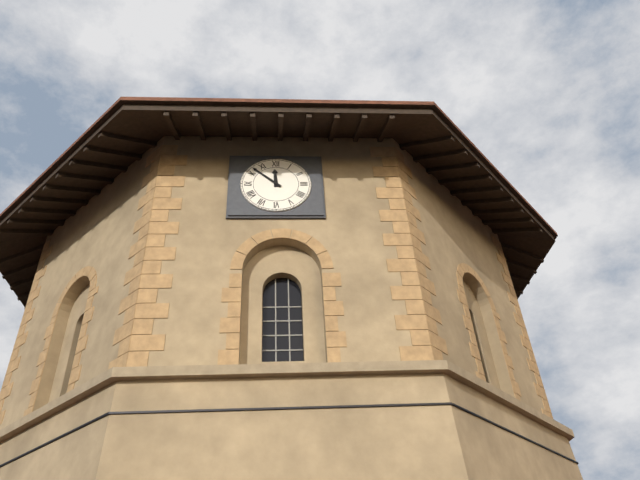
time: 11:52
